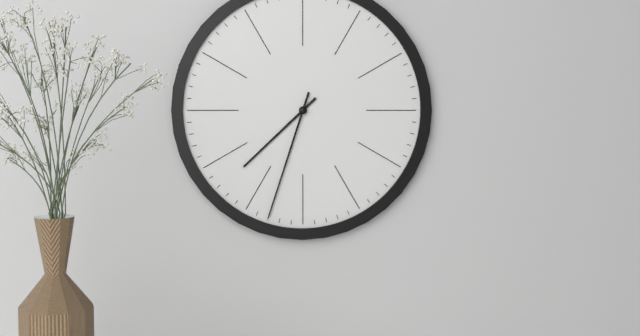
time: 7:33
